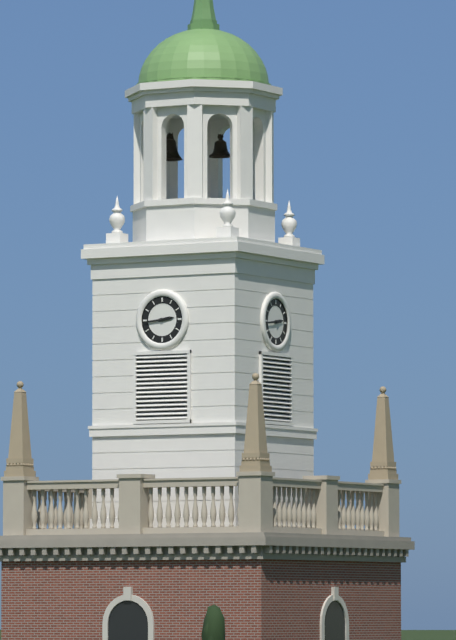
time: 2:44
